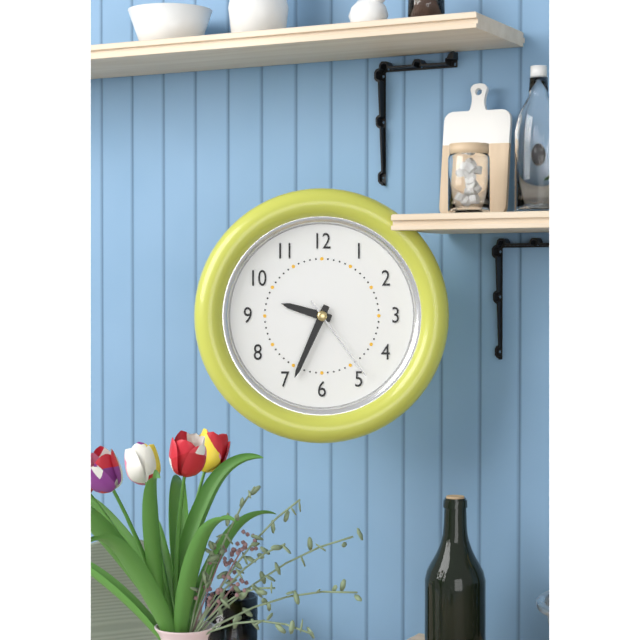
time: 9:34:24
